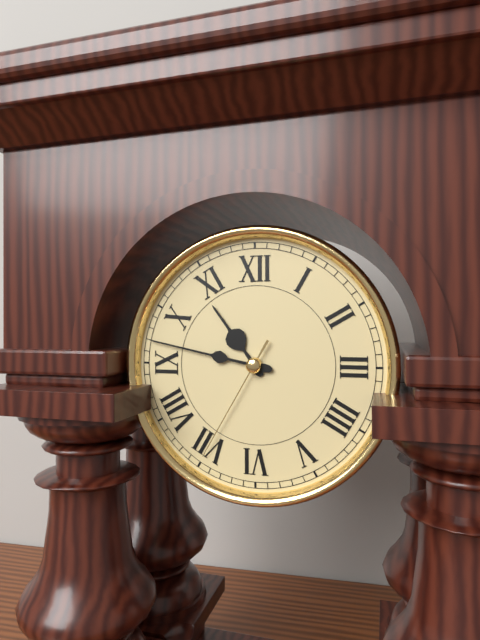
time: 10:47:35
